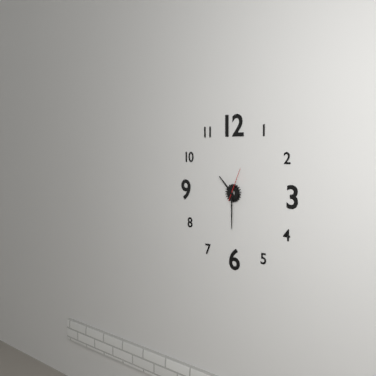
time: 10:30
